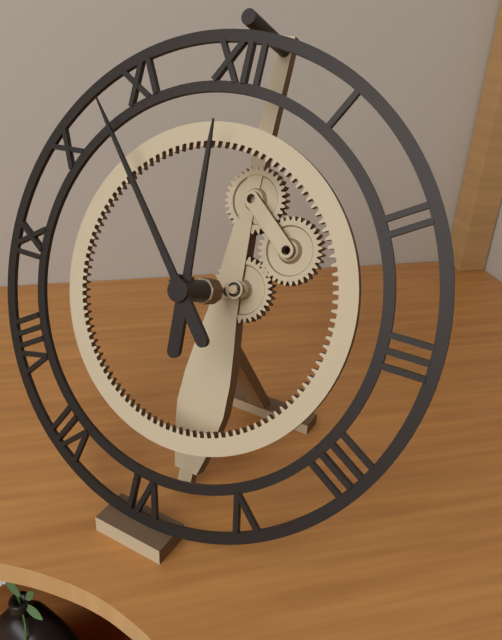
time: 11:53
